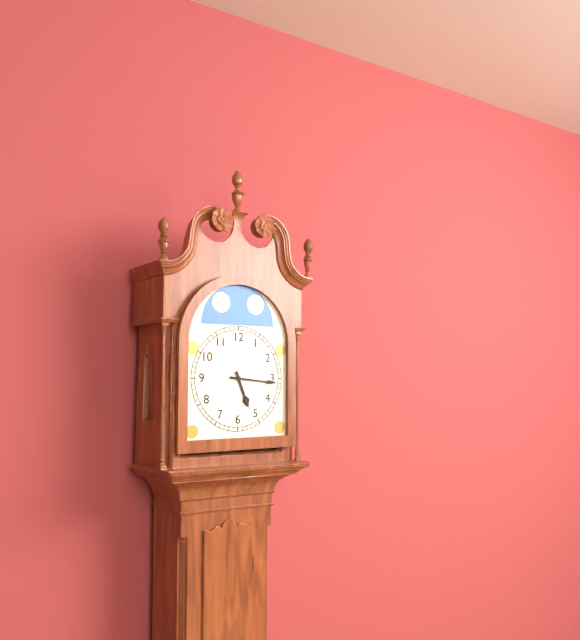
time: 5:16
